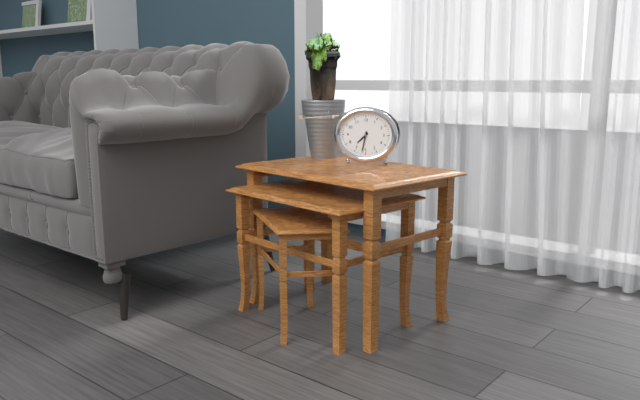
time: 7:32
